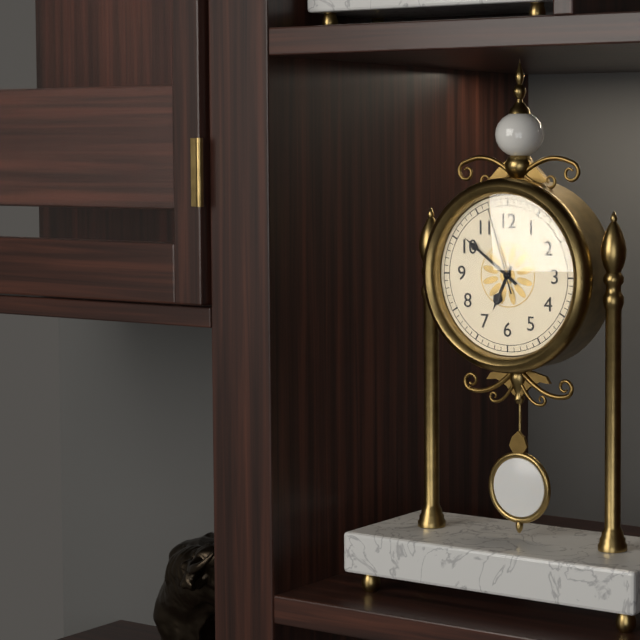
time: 6:51:57
